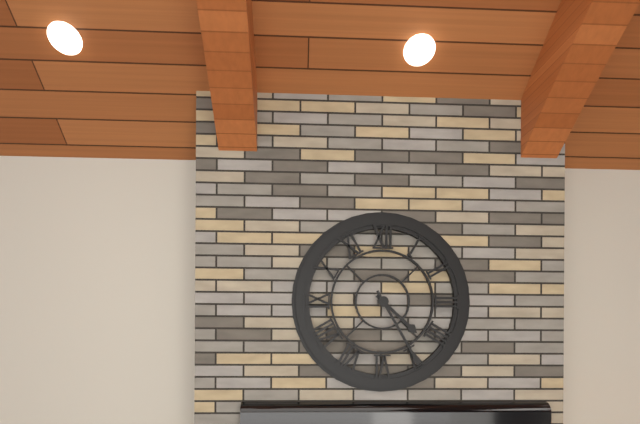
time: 4:25
